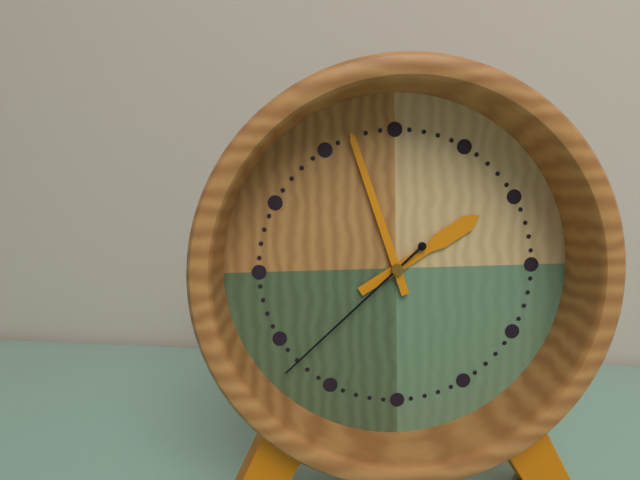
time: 1:57:38
